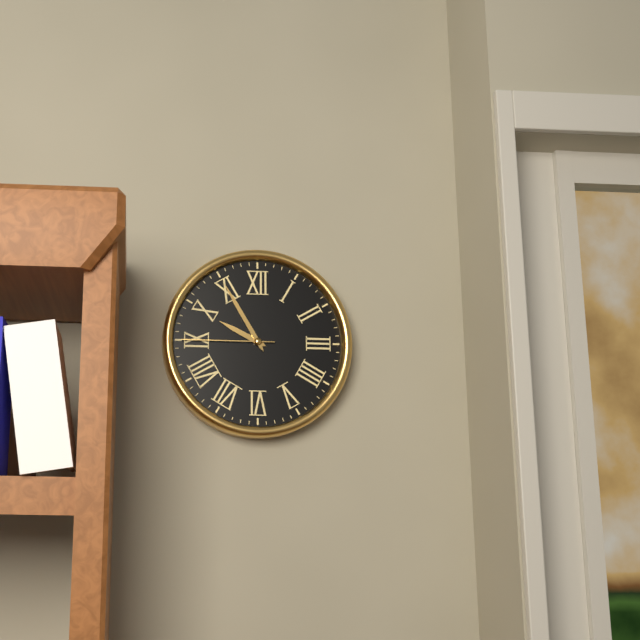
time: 9:55:45
